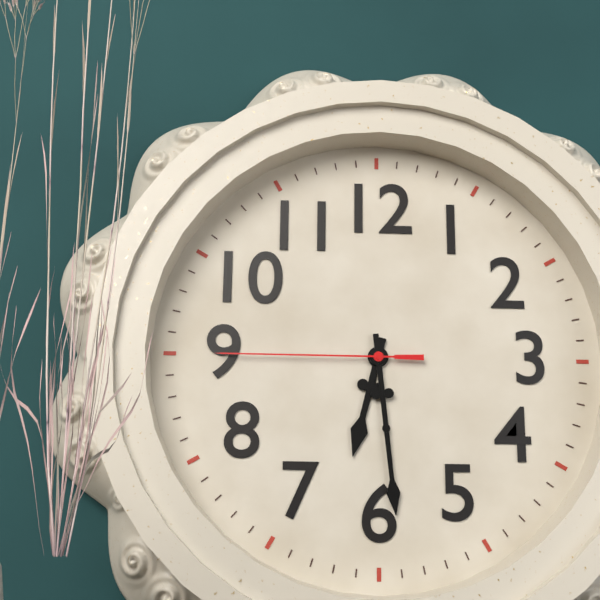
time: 6:29:45
